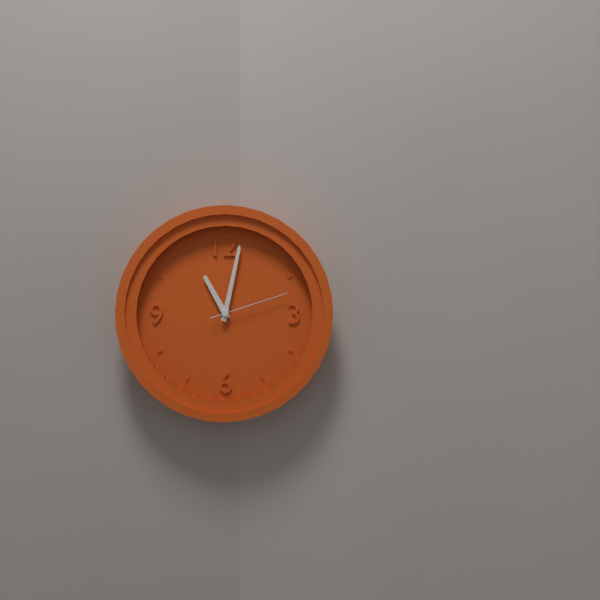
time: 11:02:12
